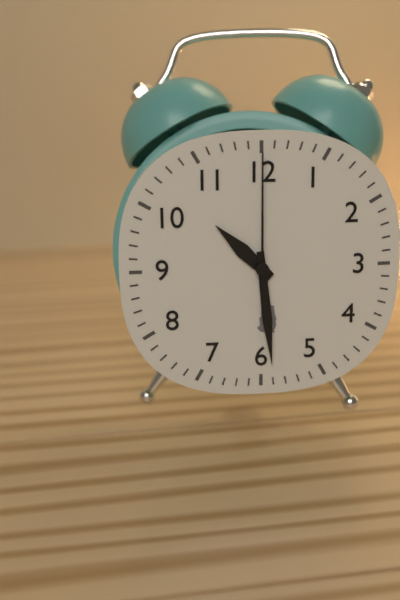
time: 10:29:00
